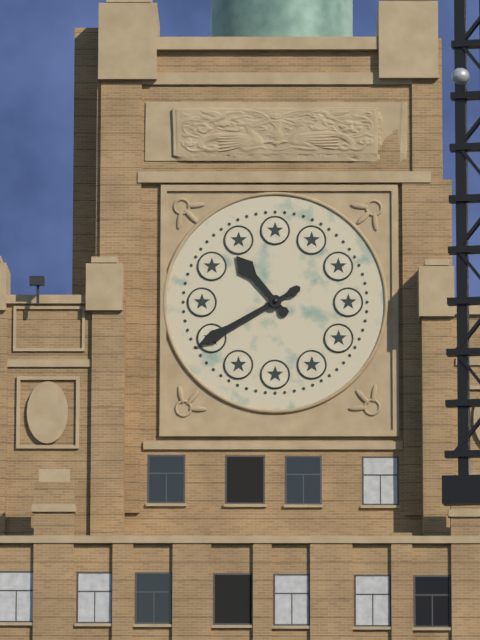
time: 10:40
